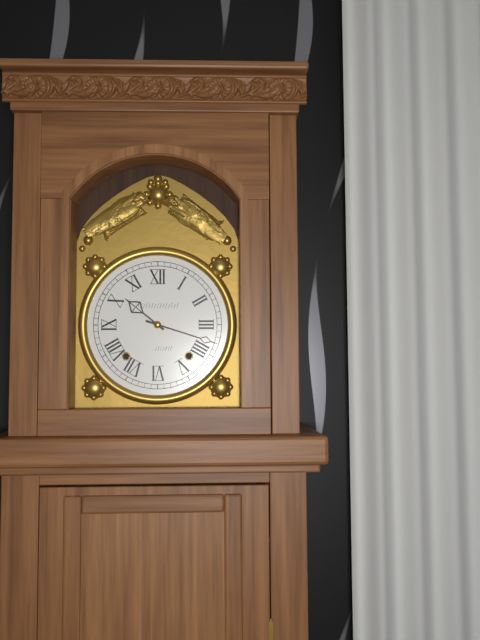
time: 10:18
